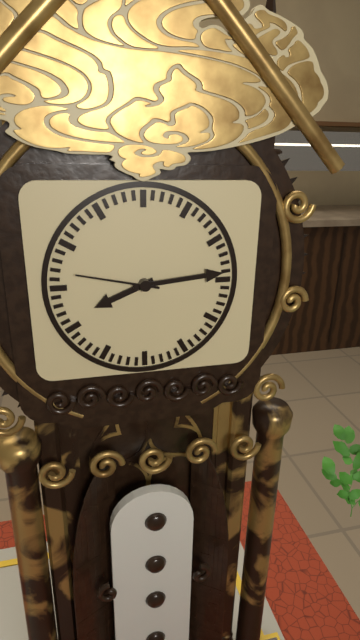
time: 8:14:47
